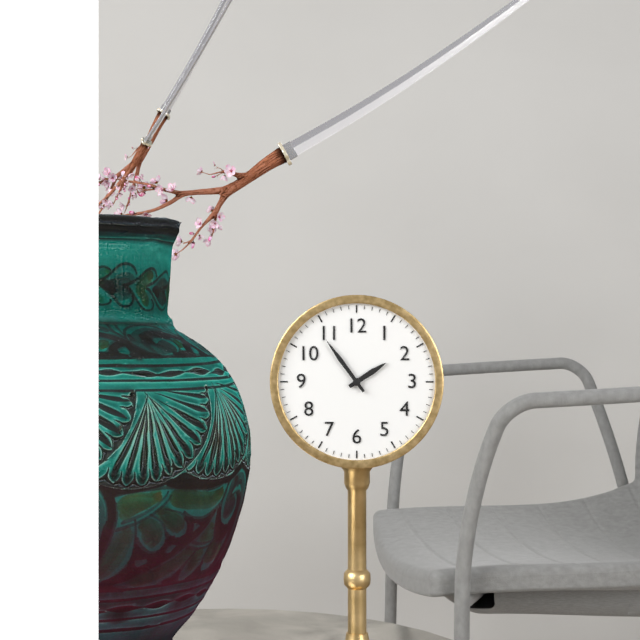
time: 1:54
